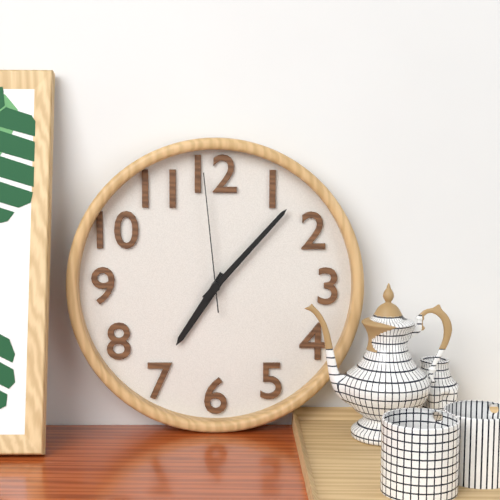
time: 7:07:59
